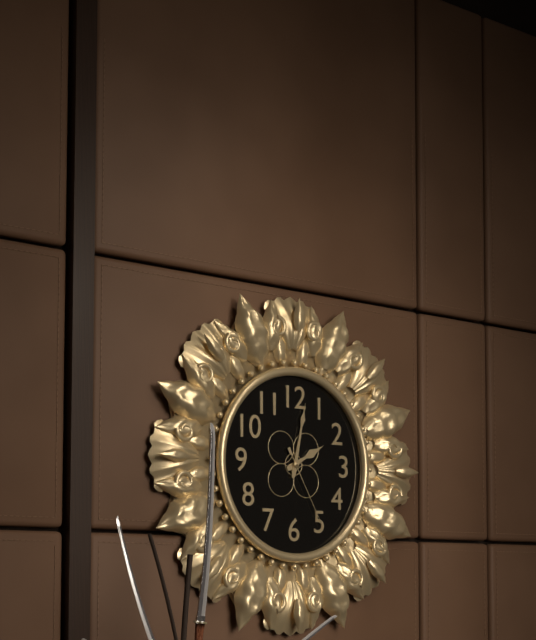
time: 2:02:25
